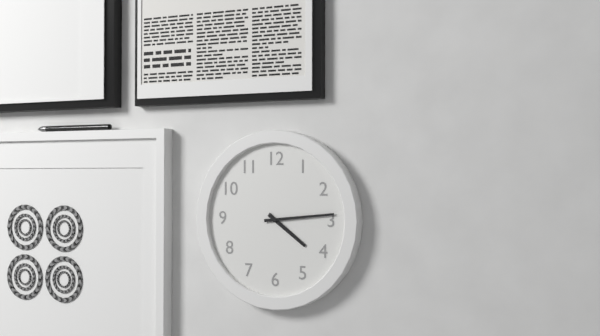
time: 4:14
